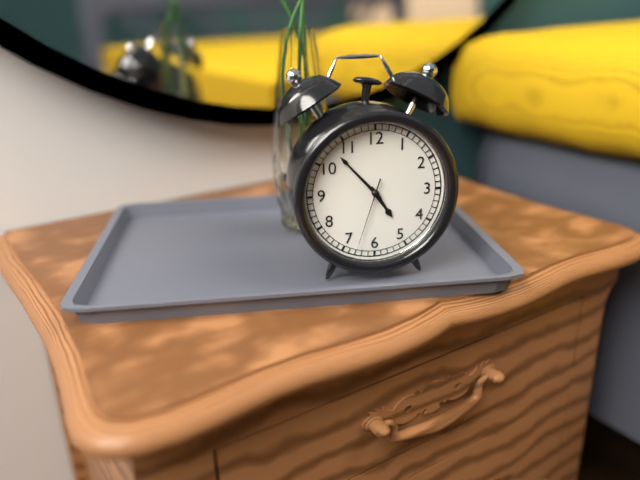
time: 4:53:33
